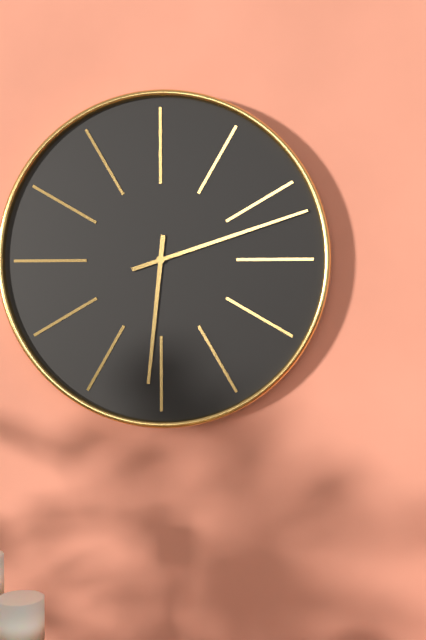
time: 6:12
